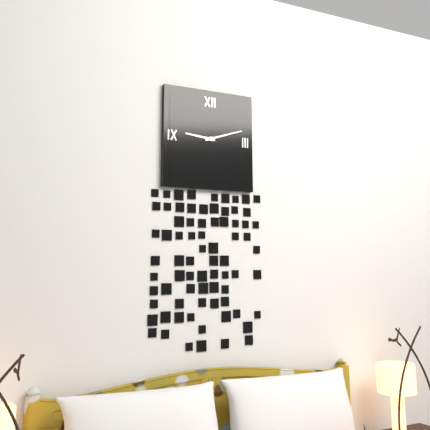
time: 9:12
